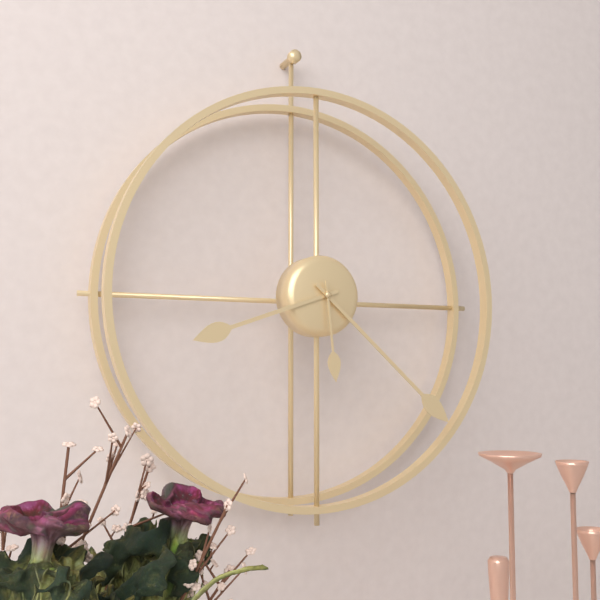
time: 8:22:29
